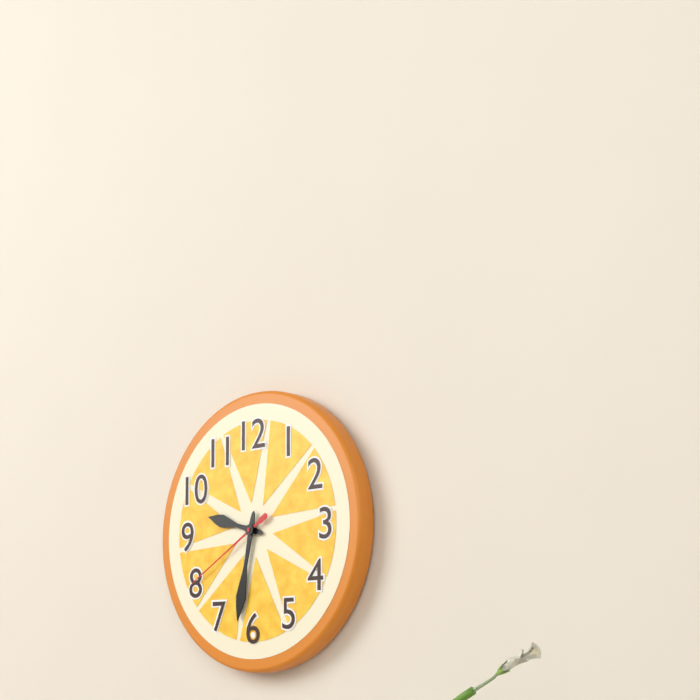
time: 9:32:40
